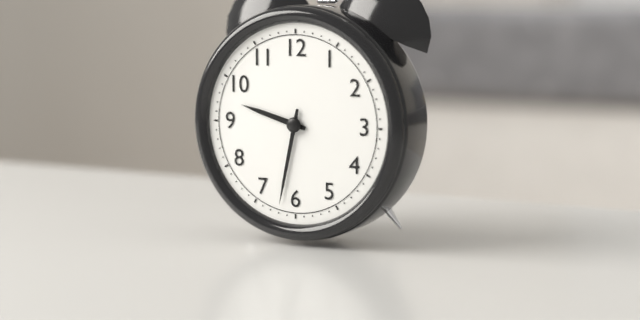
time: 9:32
